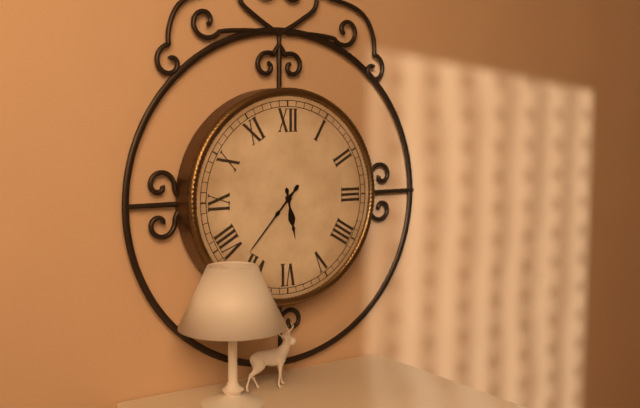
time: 5:37
